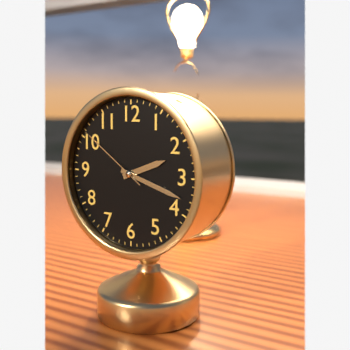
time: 2:18:51
